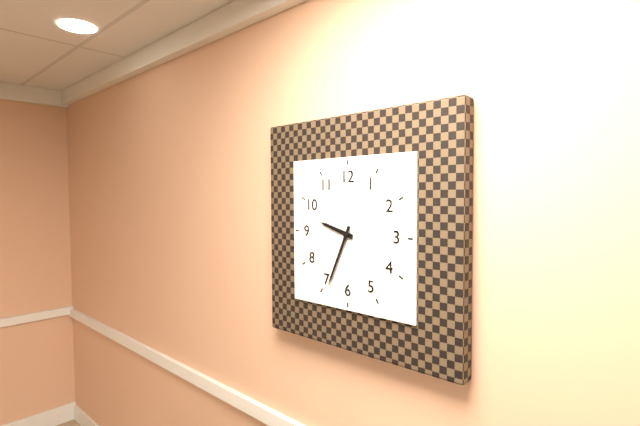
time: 9:34
